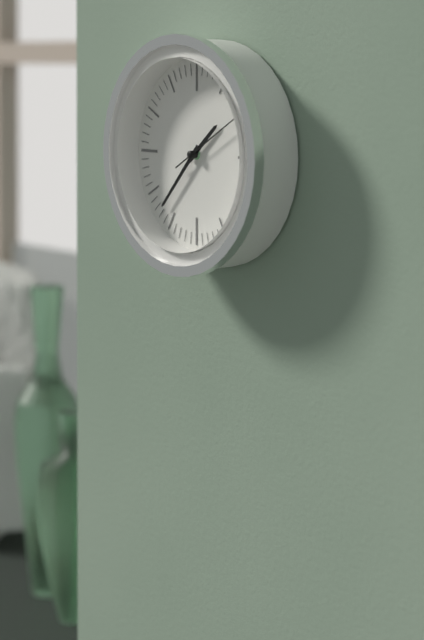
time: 1:37:10
